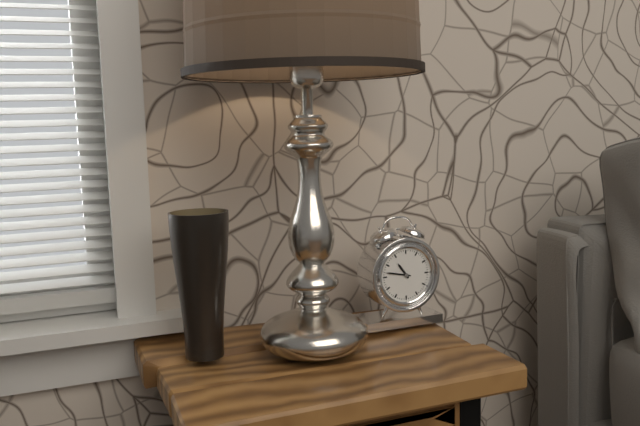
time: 10:47
